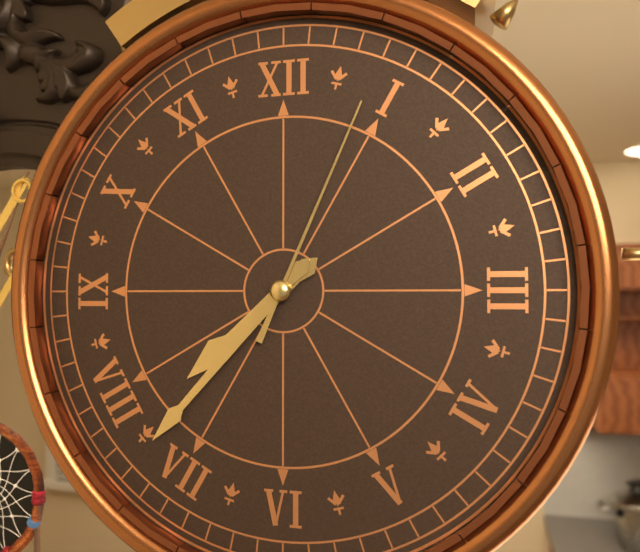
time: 7:37:04
